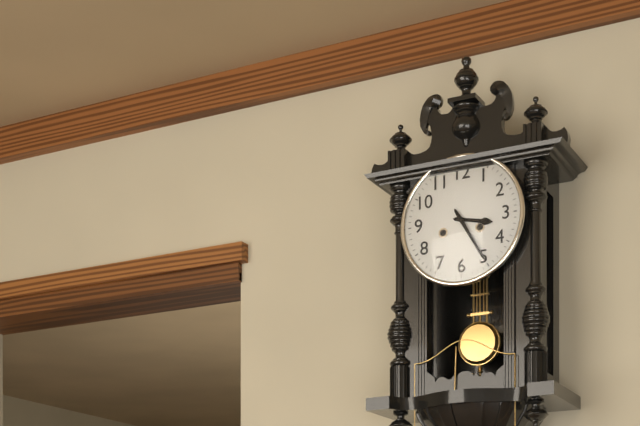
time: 3:25
